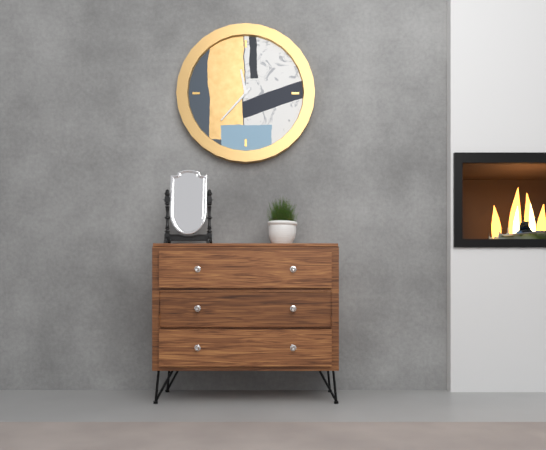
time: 11:37
